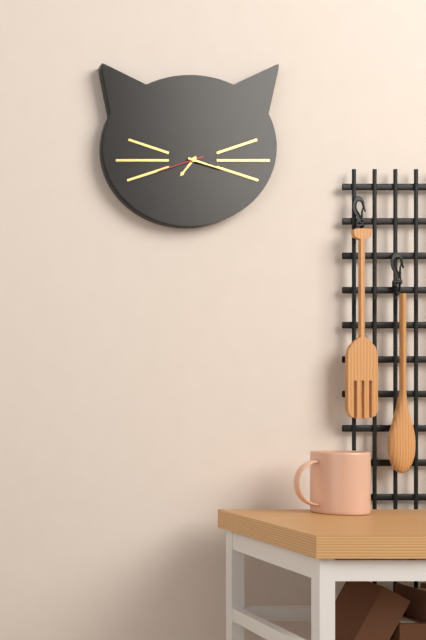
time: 7:18
